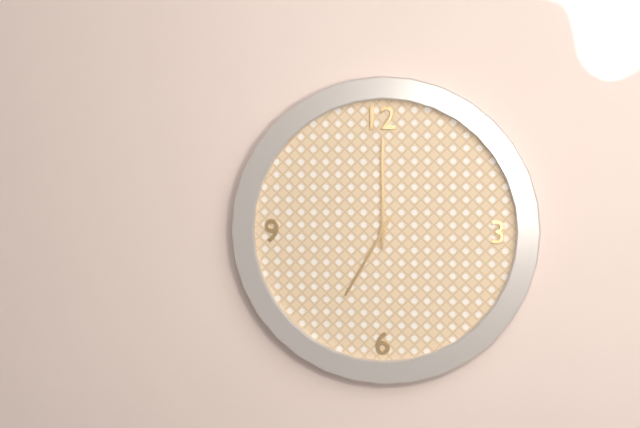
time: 7:00
